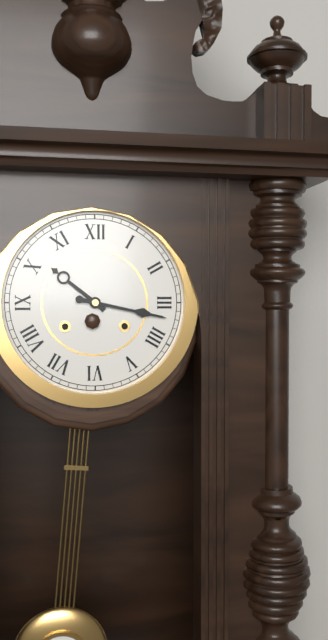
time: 10:17
